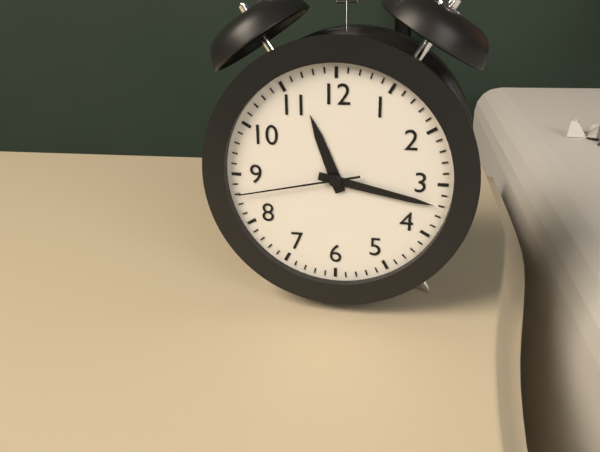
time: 11:17:43
